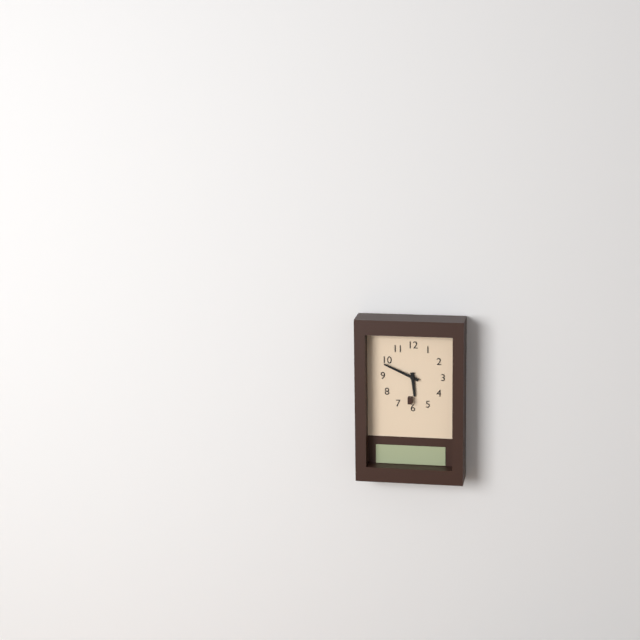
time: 5:49
